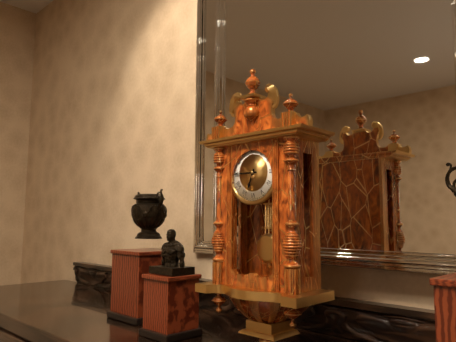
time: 6:45
